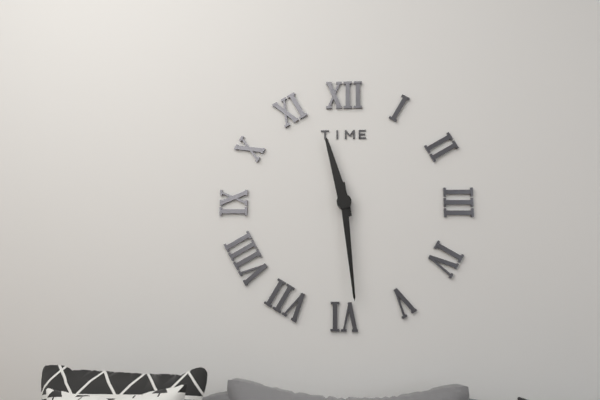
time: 11:29
